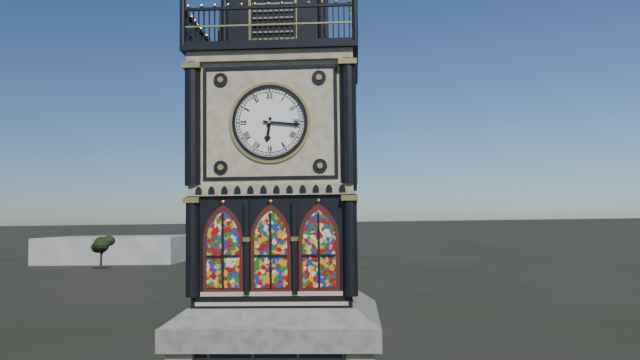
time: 6:16
